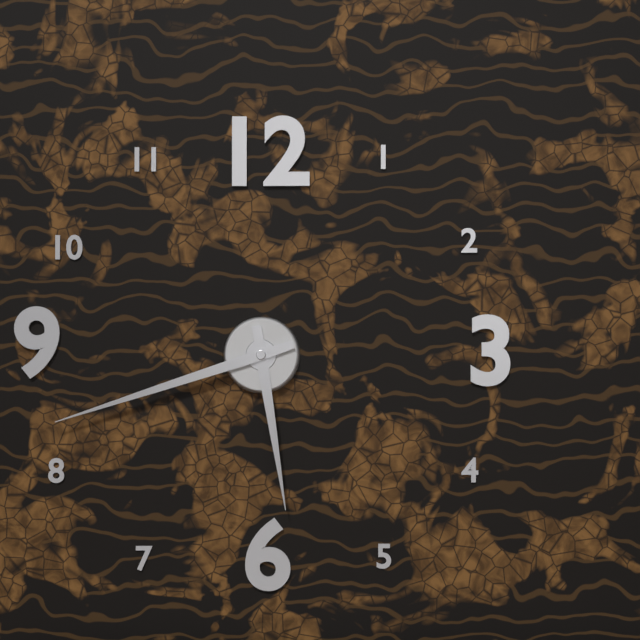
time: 5:42
